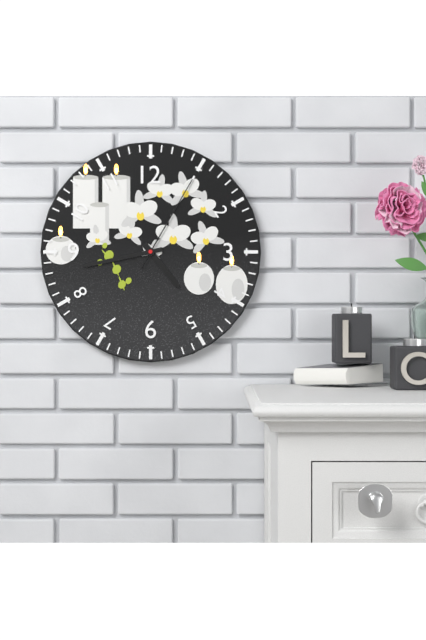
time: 4:43:05
